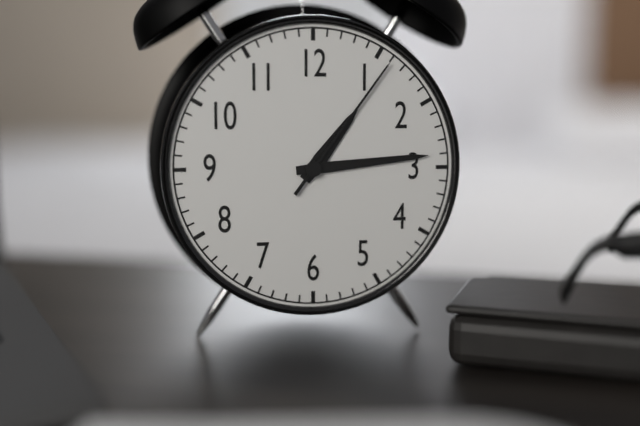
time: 1:14:06
